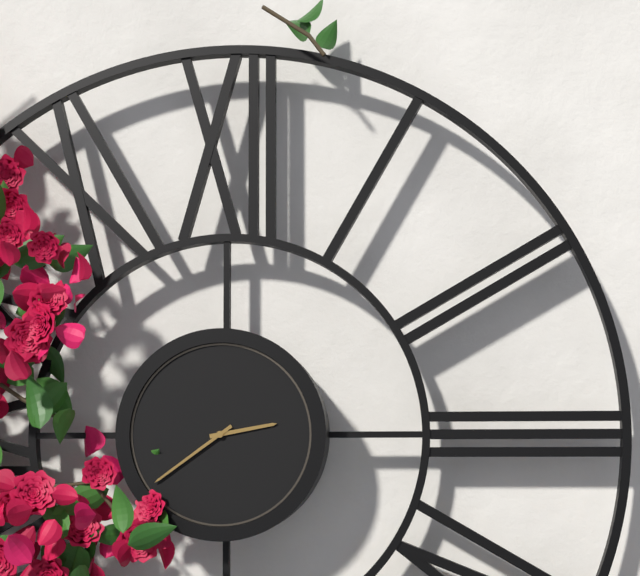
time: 2:39
